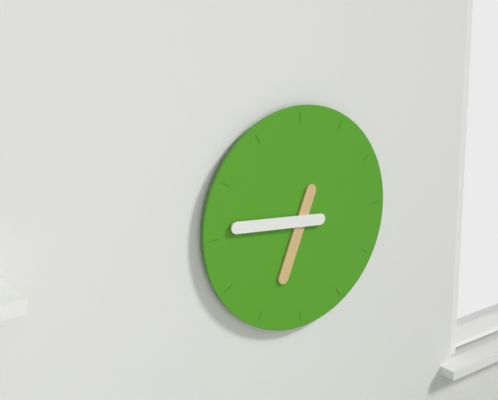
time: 6:46
